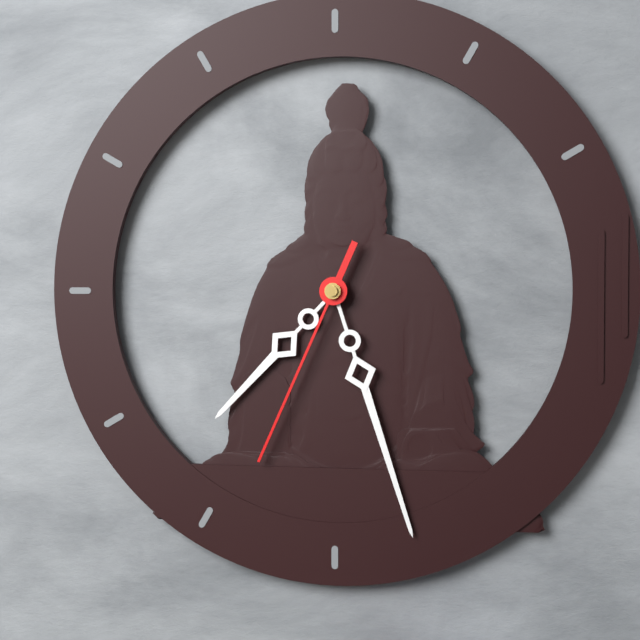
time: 7:27:34
